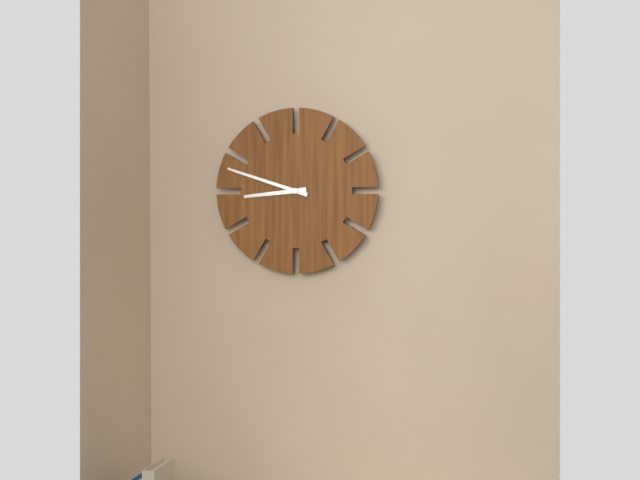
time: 8:48
